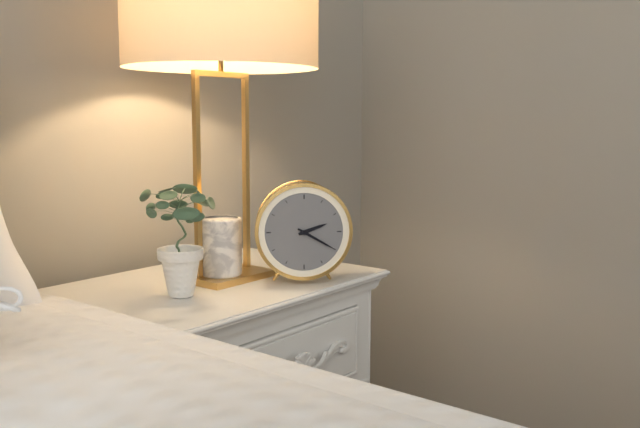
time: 2:20
